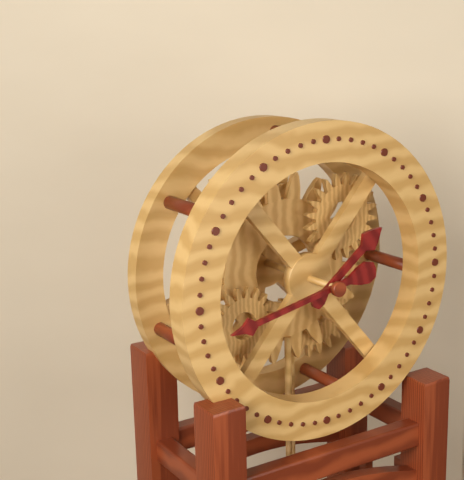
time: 1:43
